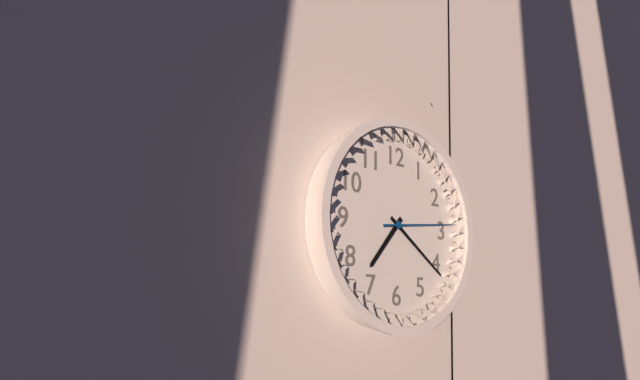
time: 7:21:14
